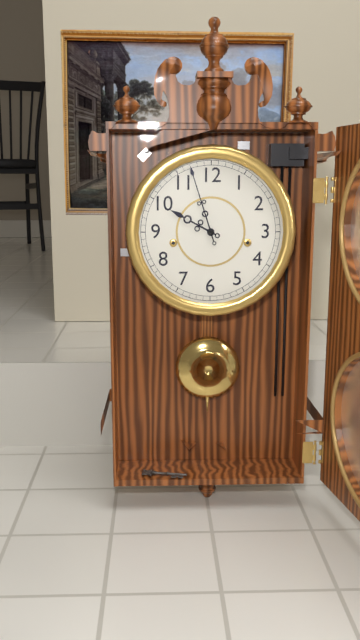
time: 9:57
